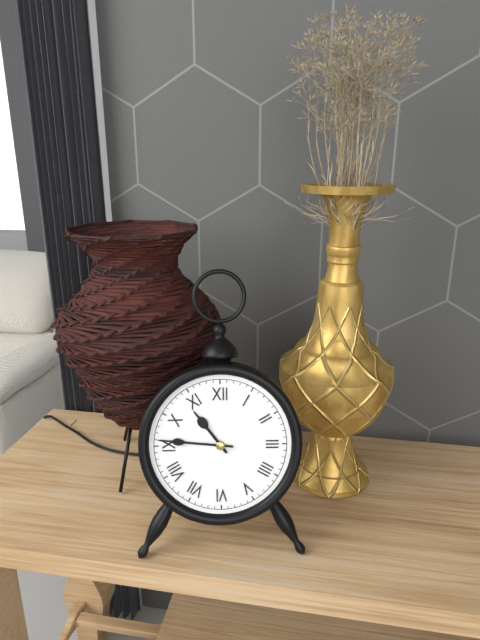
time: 10:46
